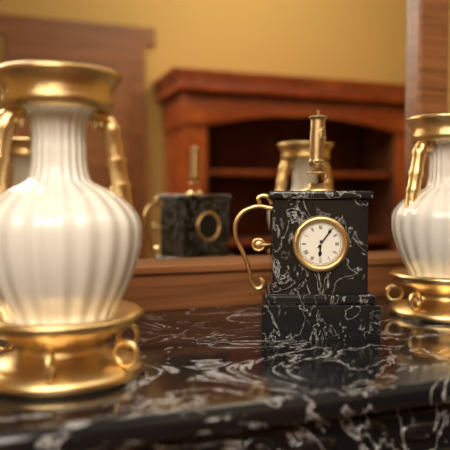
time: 6:06
